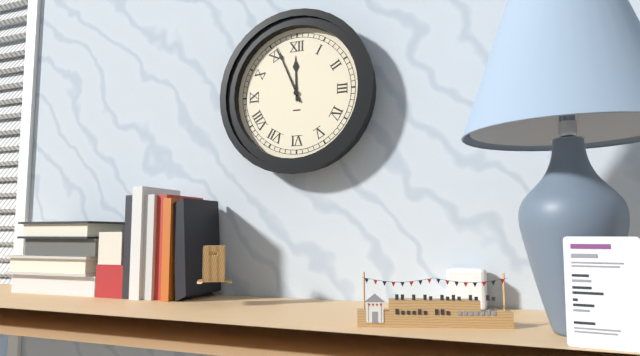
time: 11:56
